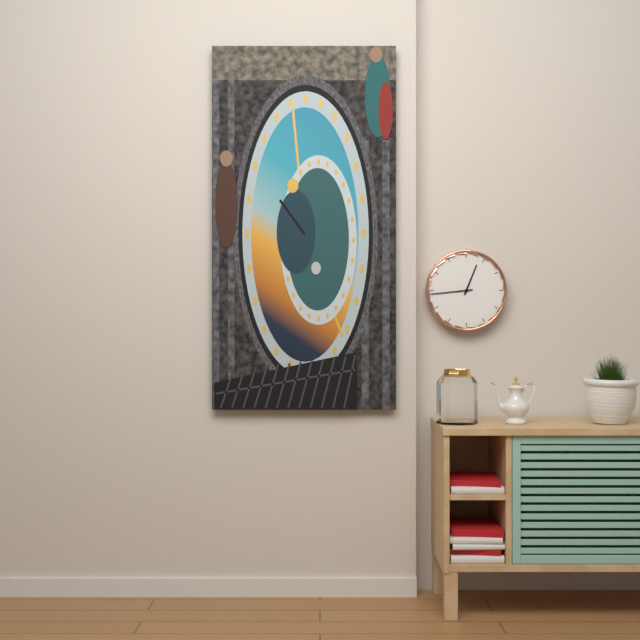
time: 12:44
